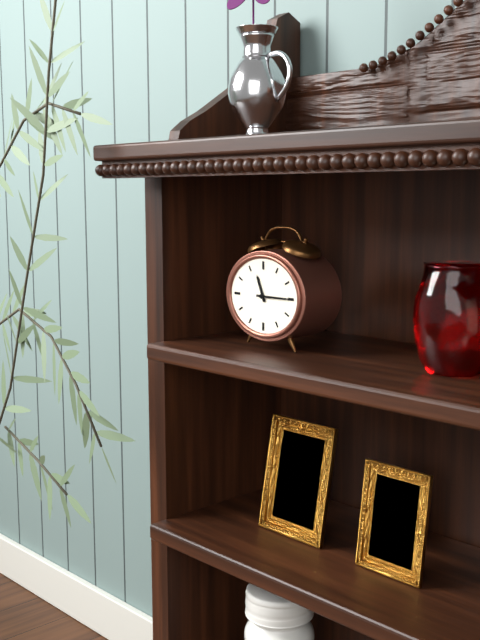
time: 11:15
